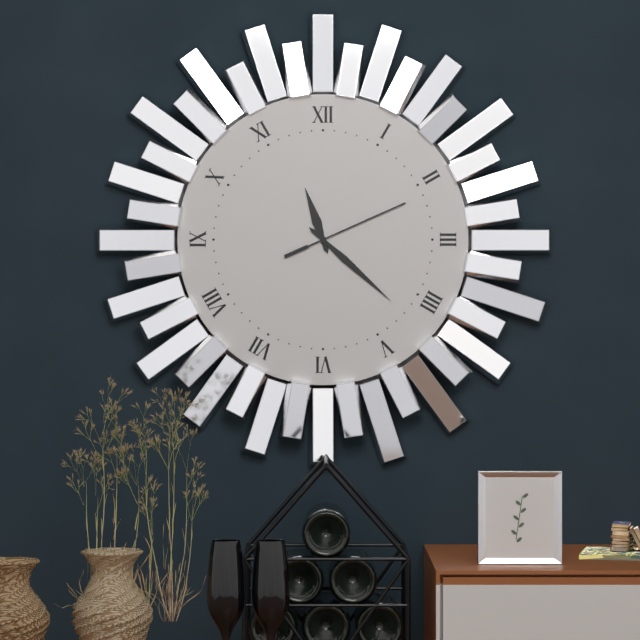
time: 11:22:11
